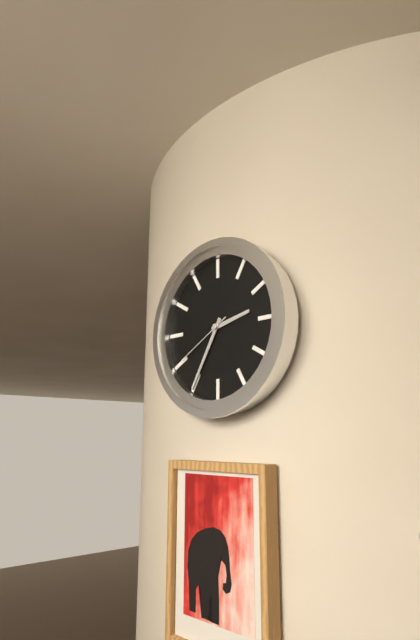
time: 2:35:40
